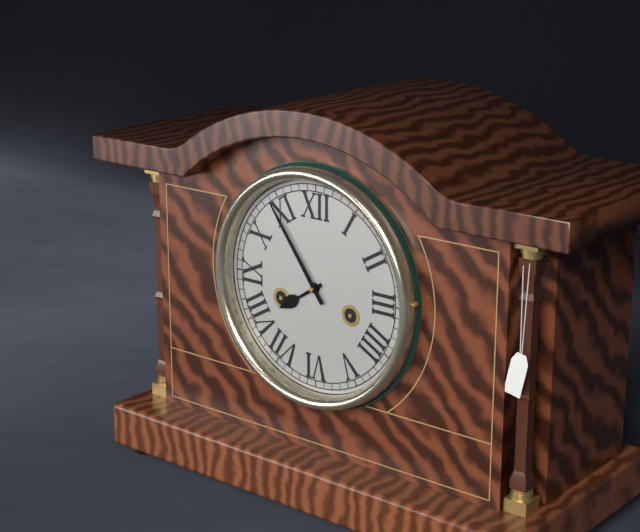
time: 7:54
